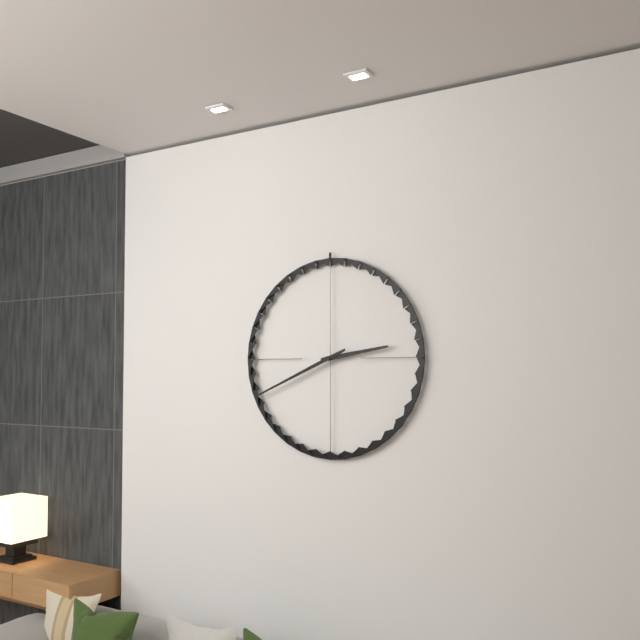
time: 2:41
